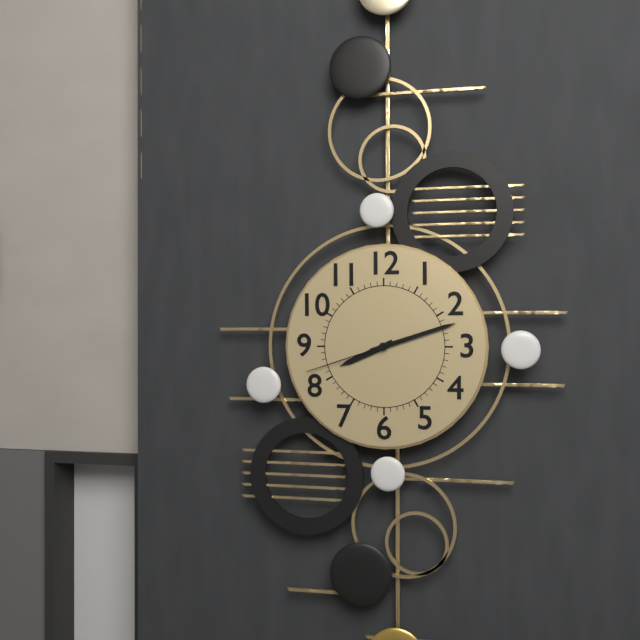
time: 8:12:42
